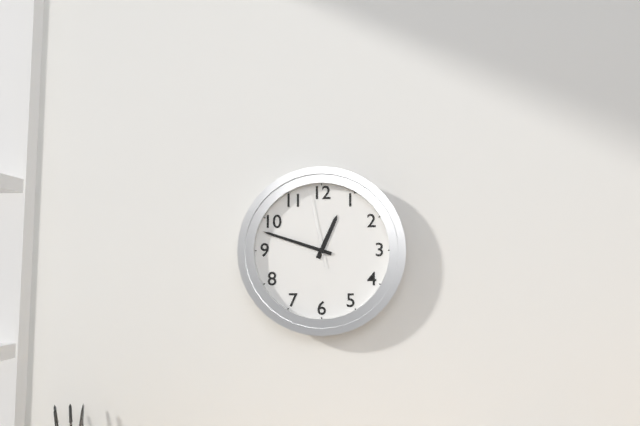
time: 12:48:58
